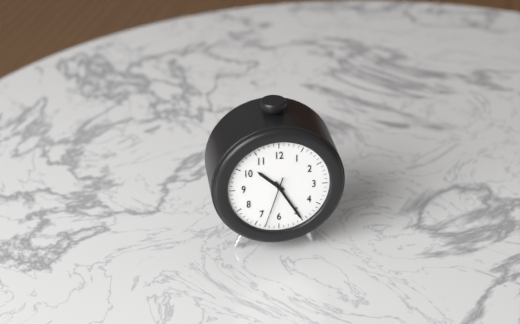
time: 10:25:33
